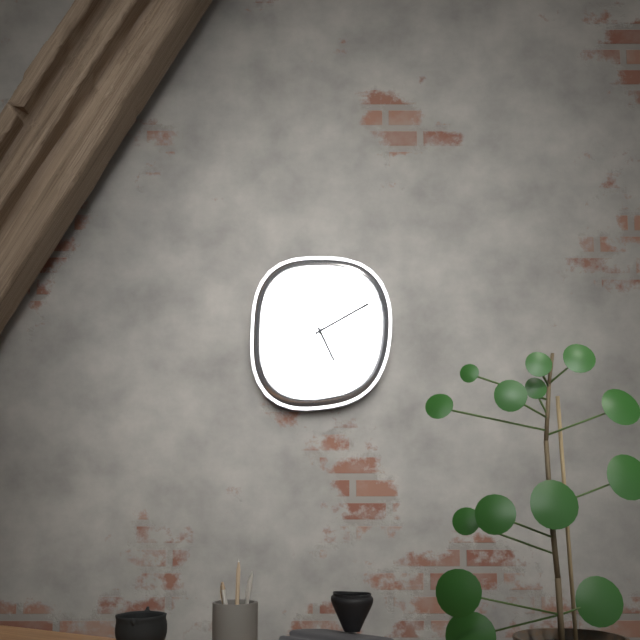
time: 5:10
